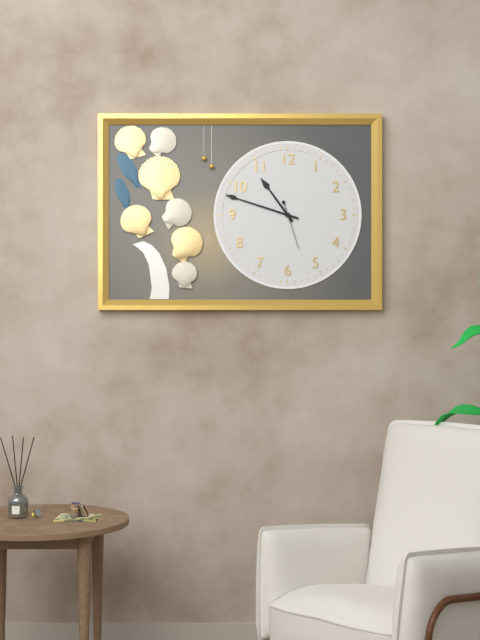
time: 10:48
